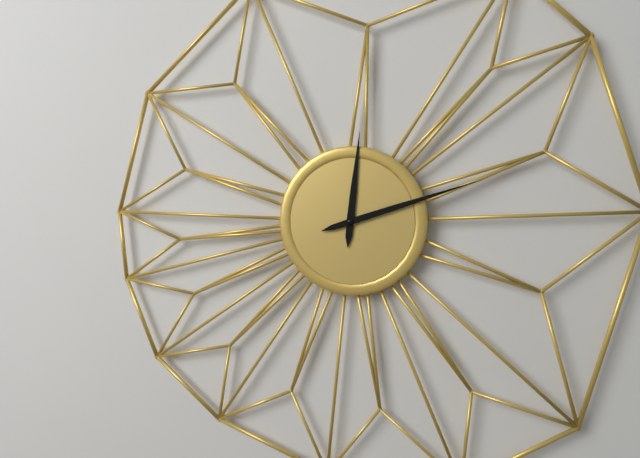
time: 12:12
